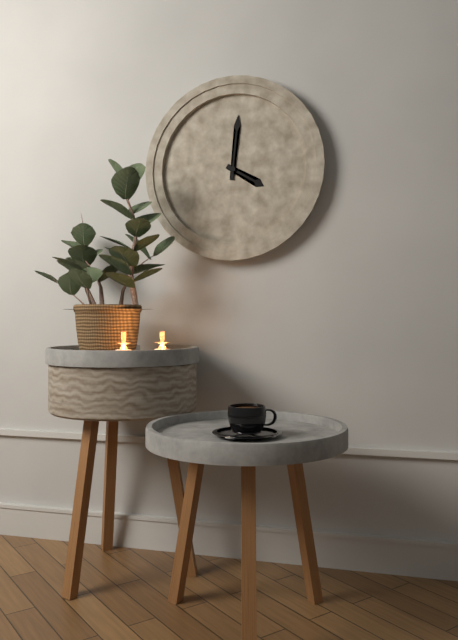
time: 4:01
